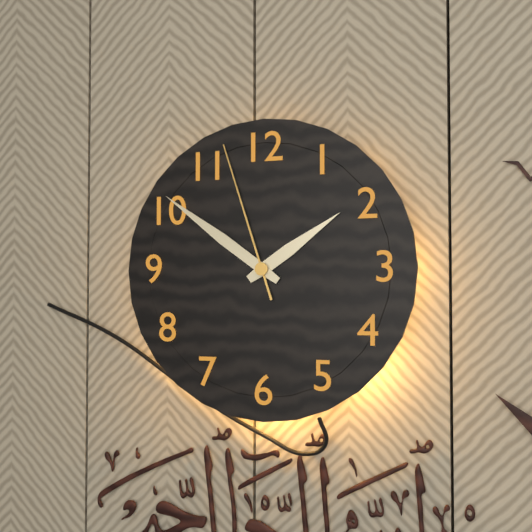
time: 1:51:57
